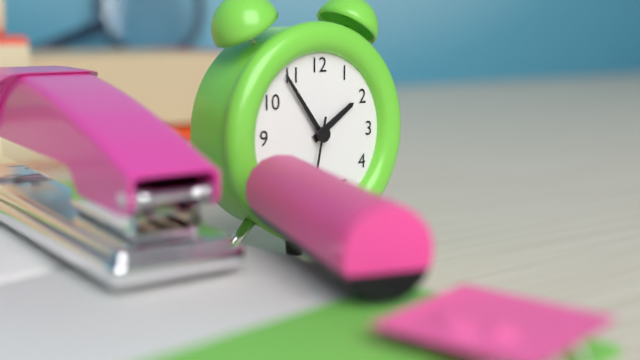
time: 1:54
